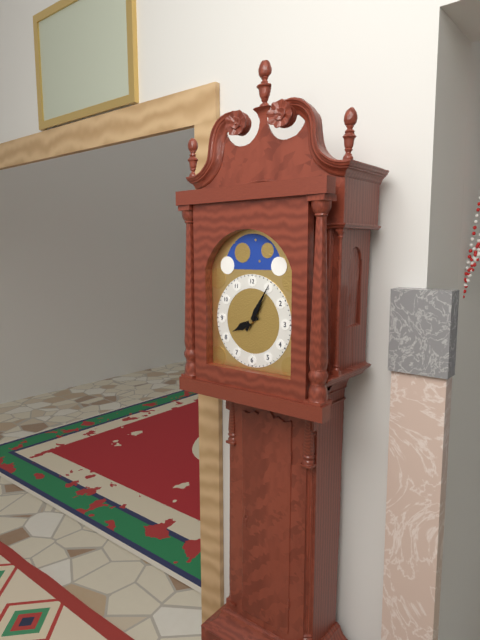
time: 8:05
